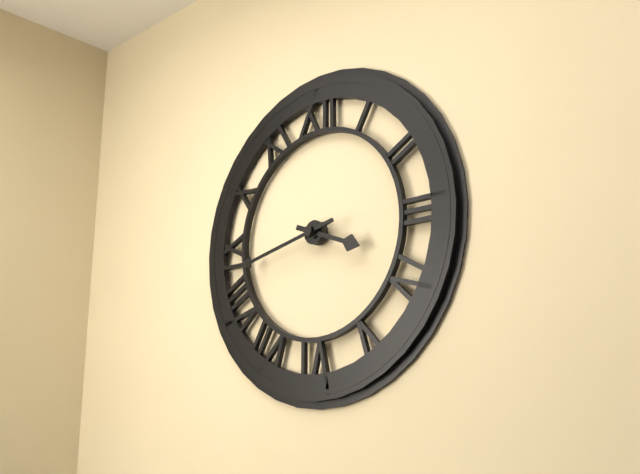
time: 3:43
